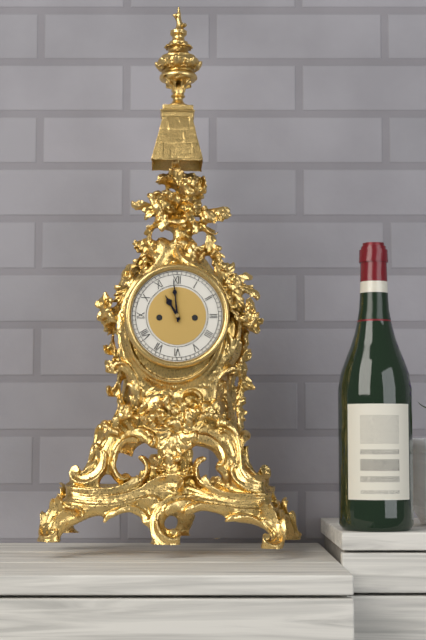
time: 10:59
